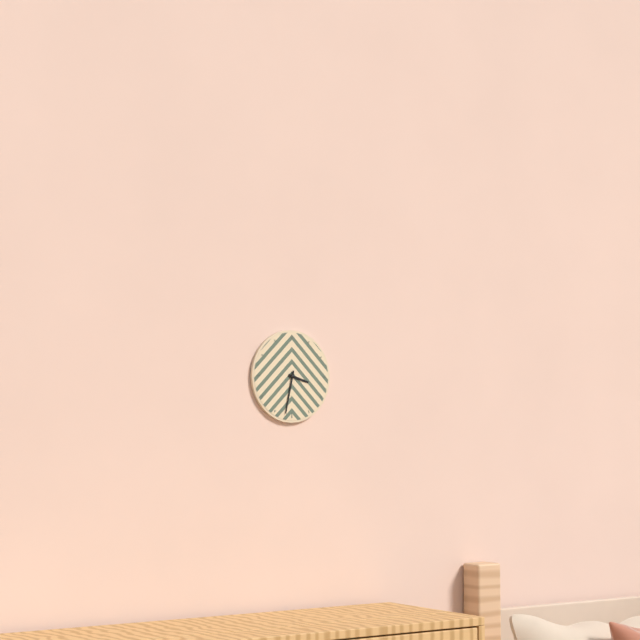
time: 3:32
